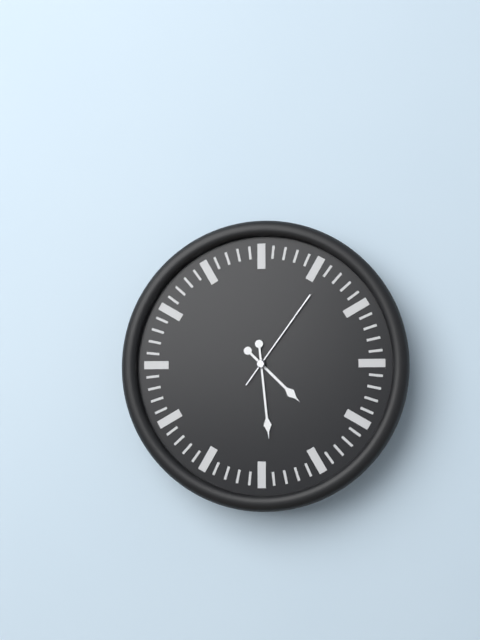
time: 4:29:06
